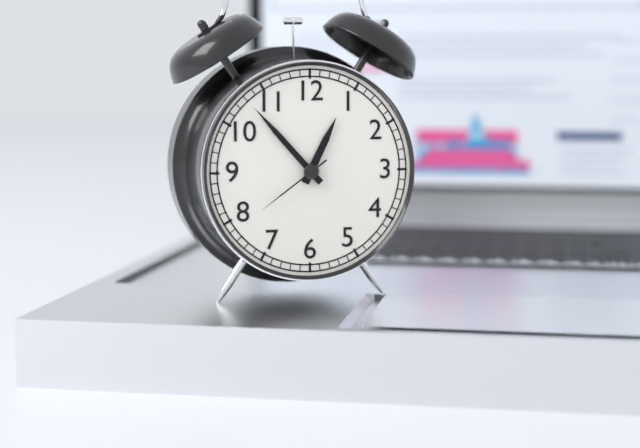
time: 12:53:39
